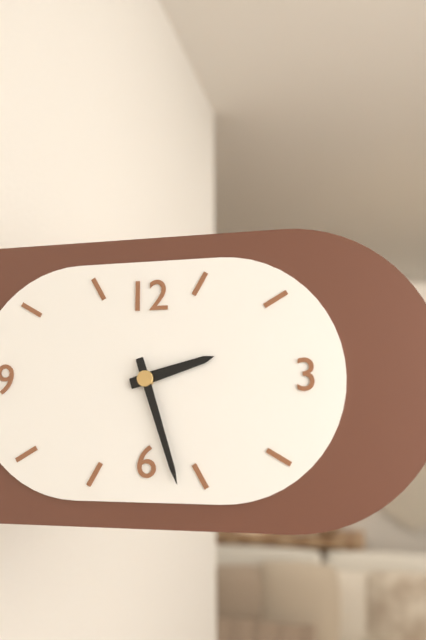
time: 2:27
